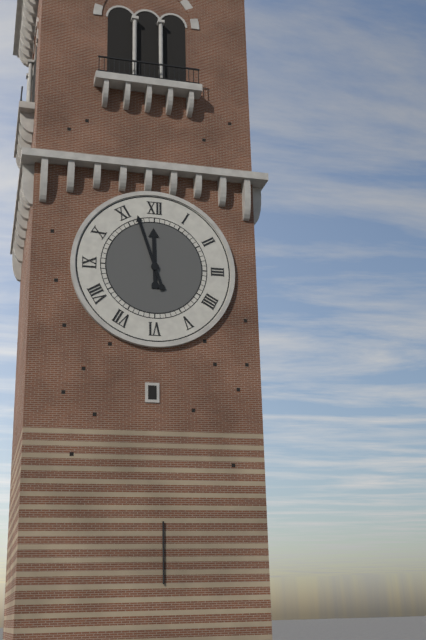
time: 11:57
